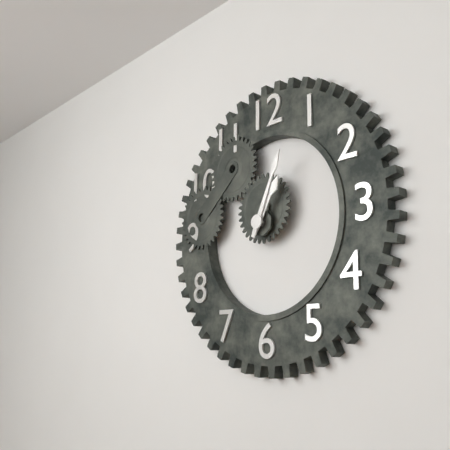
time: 1:04
